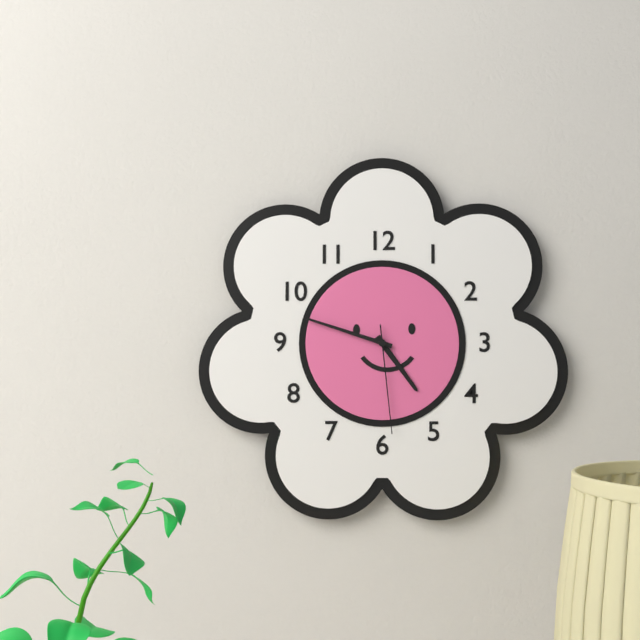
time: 4:48:29
